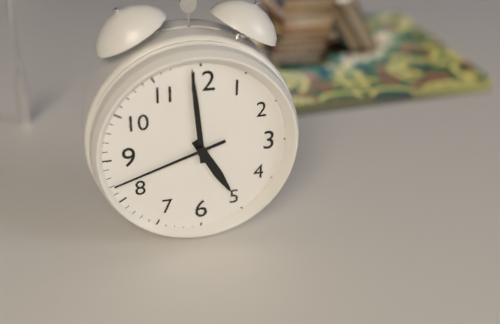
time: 4:59:42
